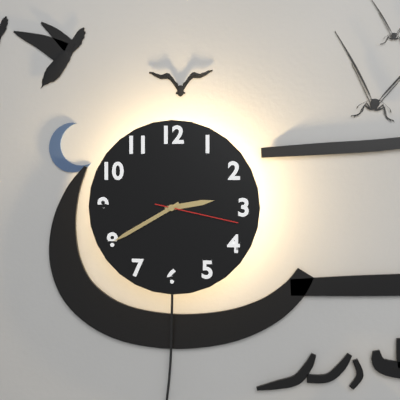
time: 2:40:17
